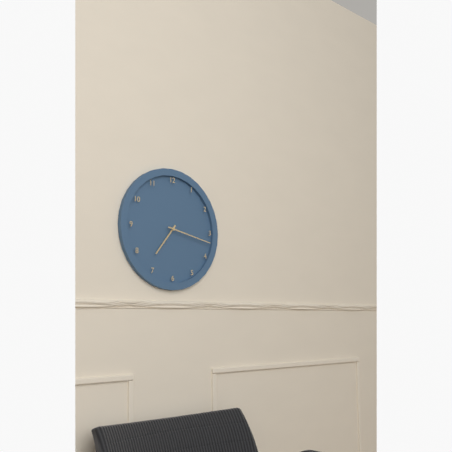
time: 7:17
